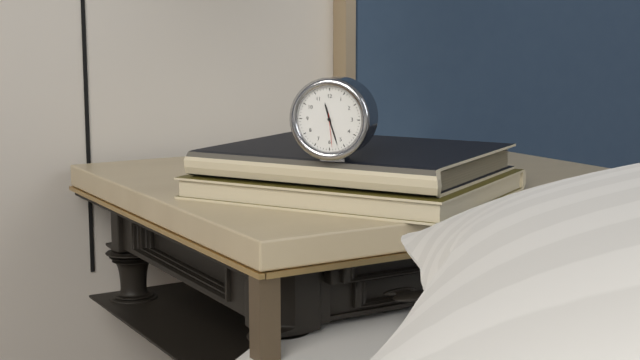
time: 11:27
